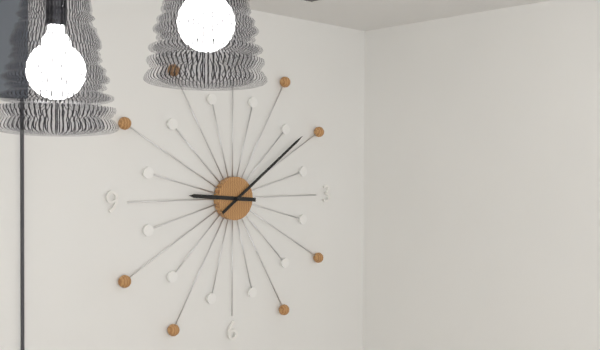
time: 9:09
